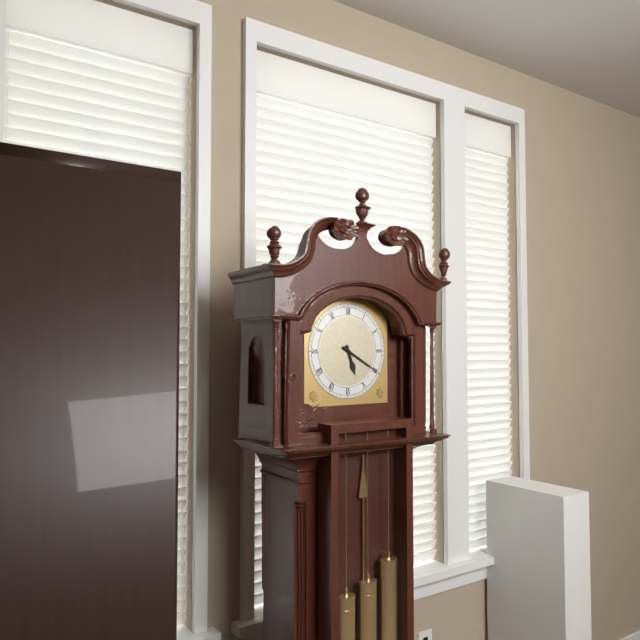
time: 5:20
